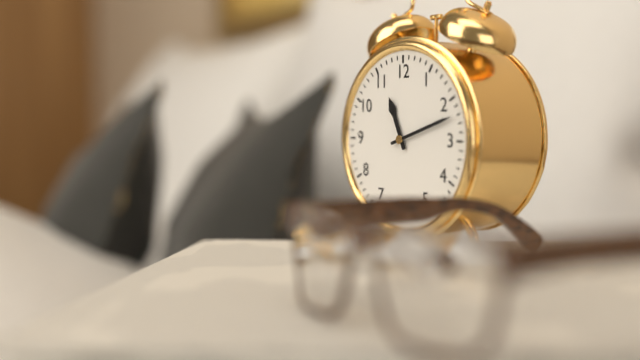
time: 11:12
